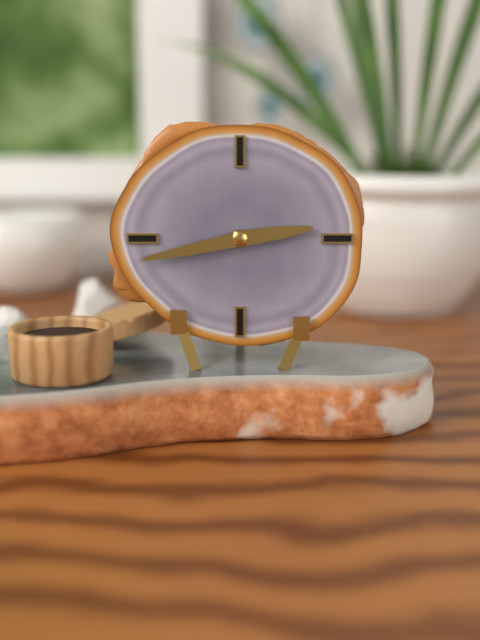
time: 2:43
